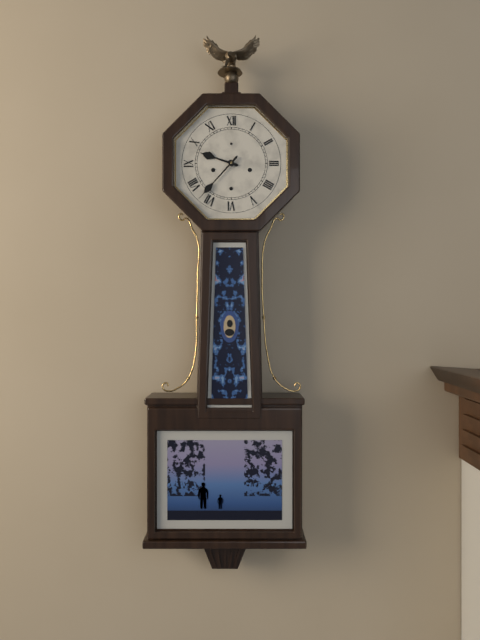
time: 9:37
